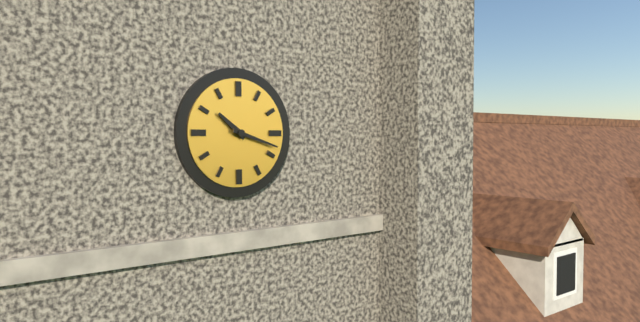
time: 10:18
